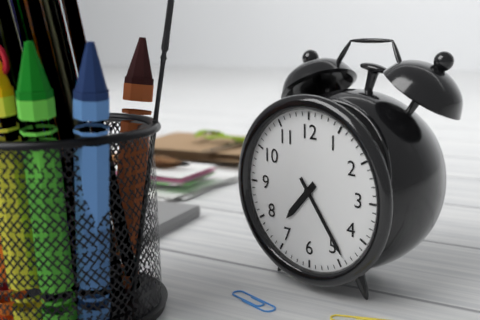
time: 7:24
